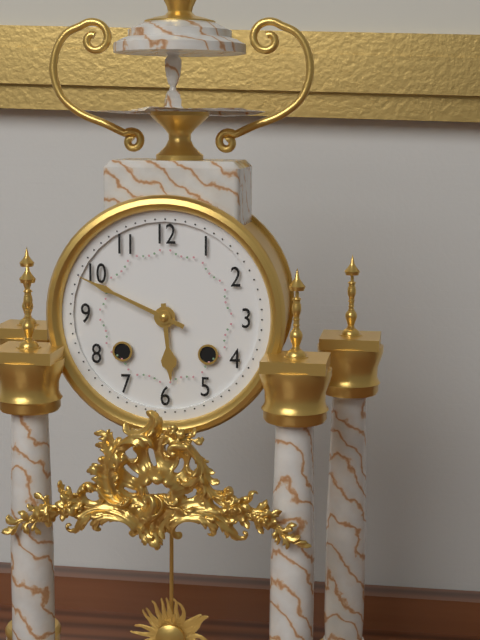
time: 5:49
